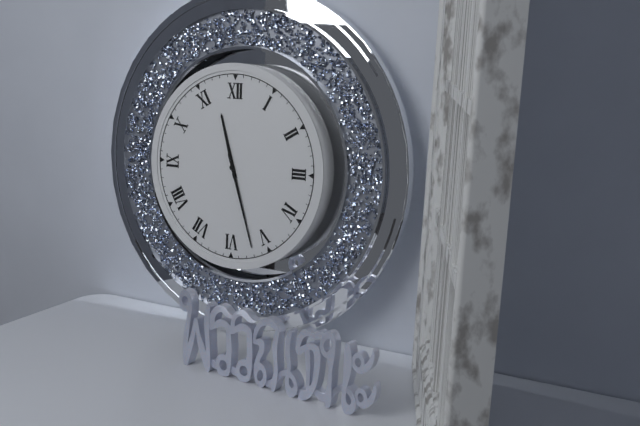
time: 11:27
